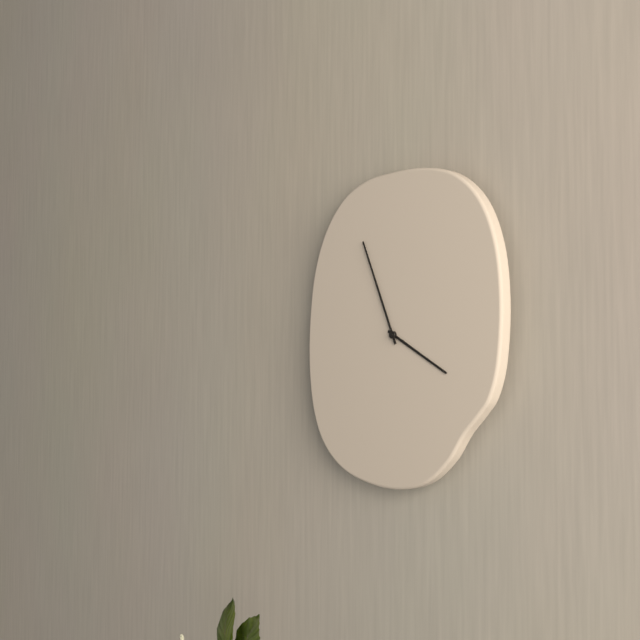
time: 3:56
